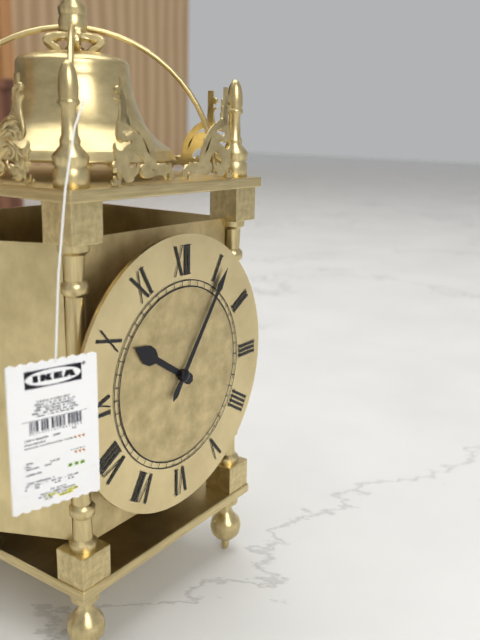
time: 10:06
